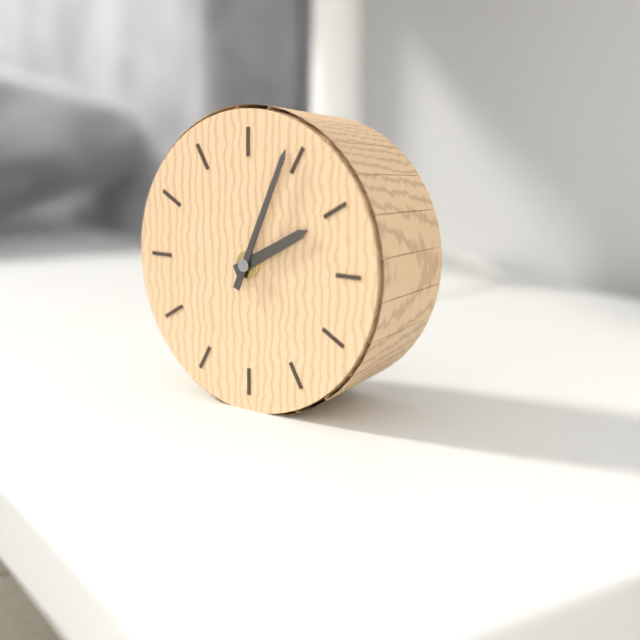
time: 2:04
